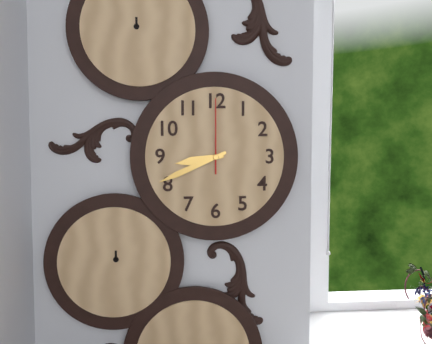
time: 8:41:00
